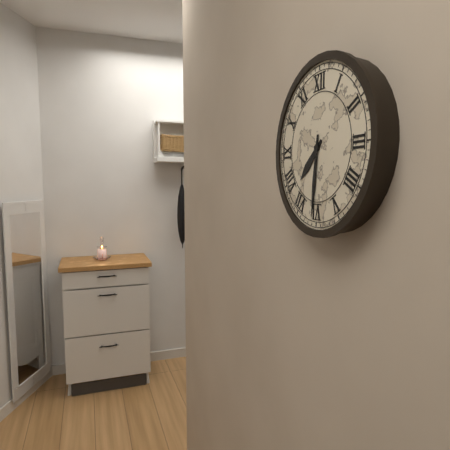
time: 7:31
